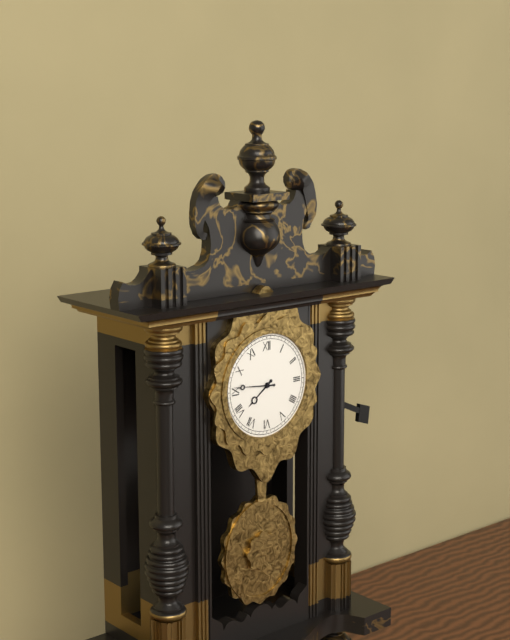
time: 7:46
